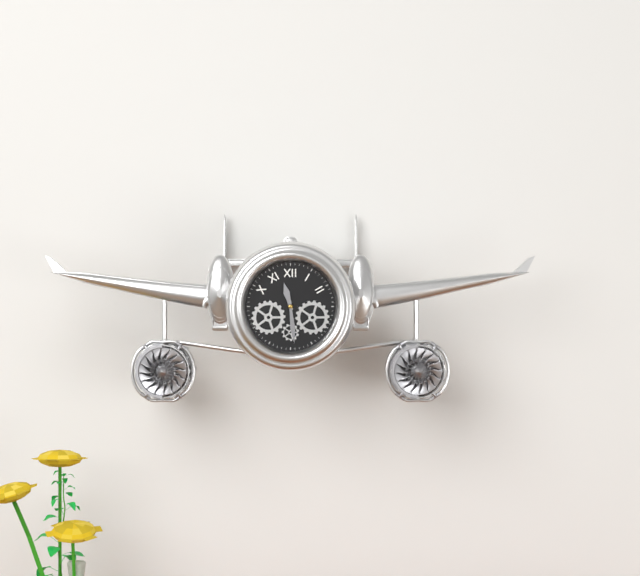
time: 11:29
